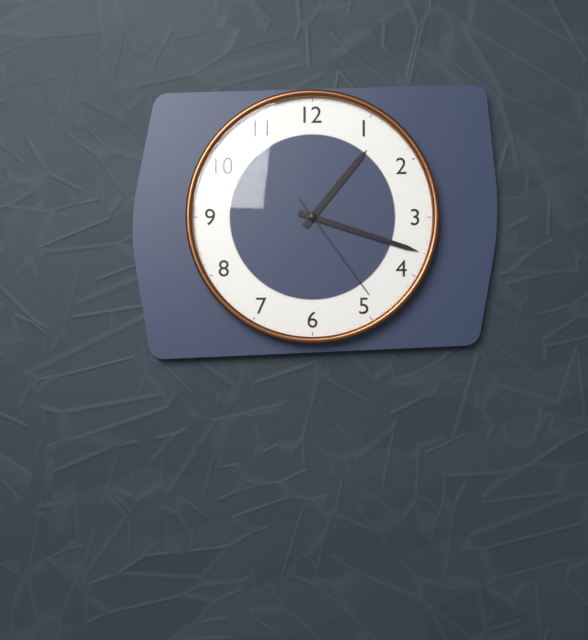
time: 1:18:24
